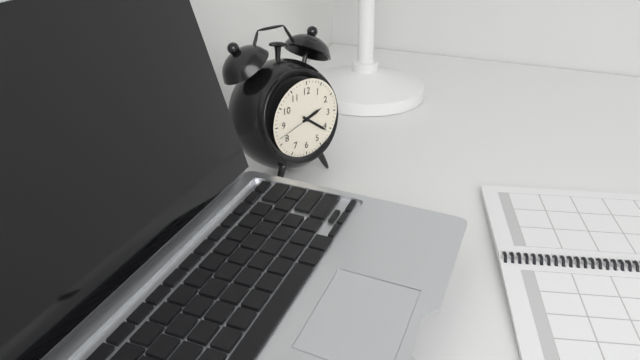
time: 2:21
